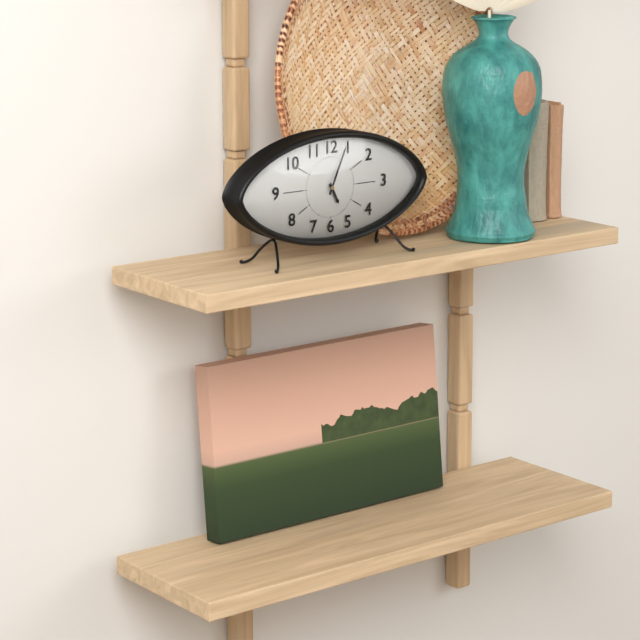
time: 5:04
